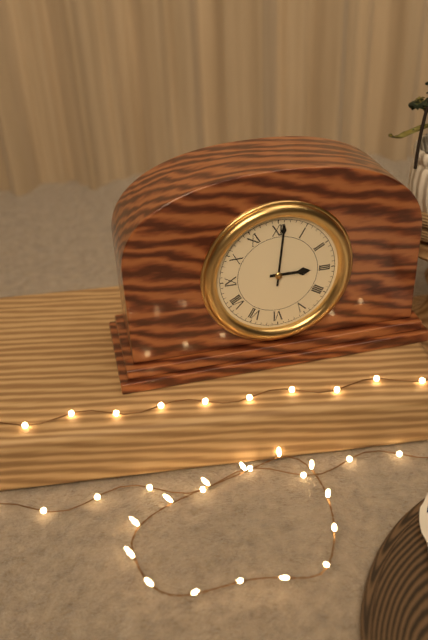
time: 3:01
